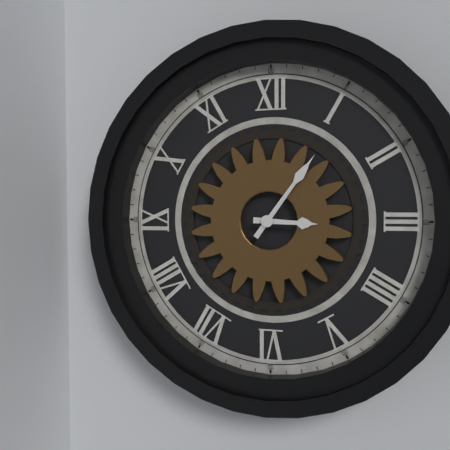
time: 3:06
